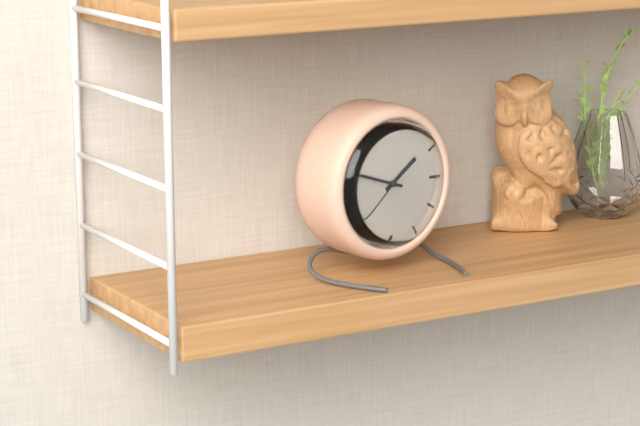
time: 1:48:38
